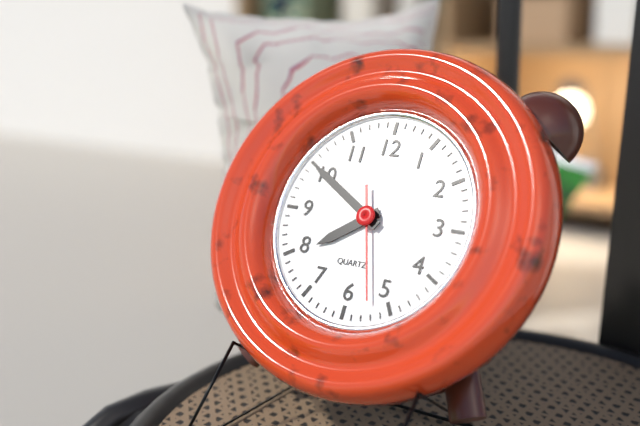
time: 7:50:27
